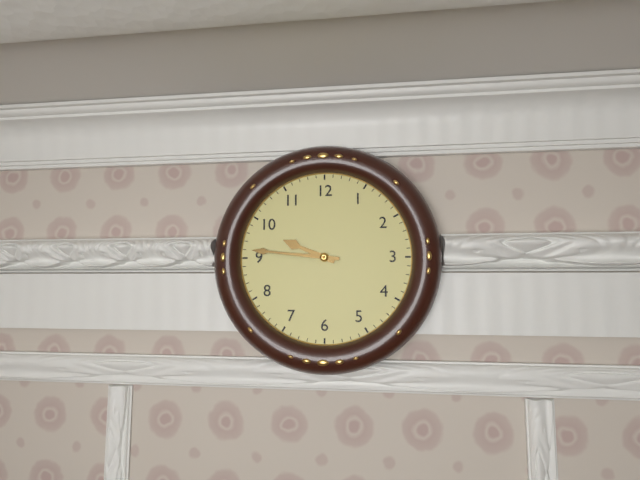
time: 9:46
